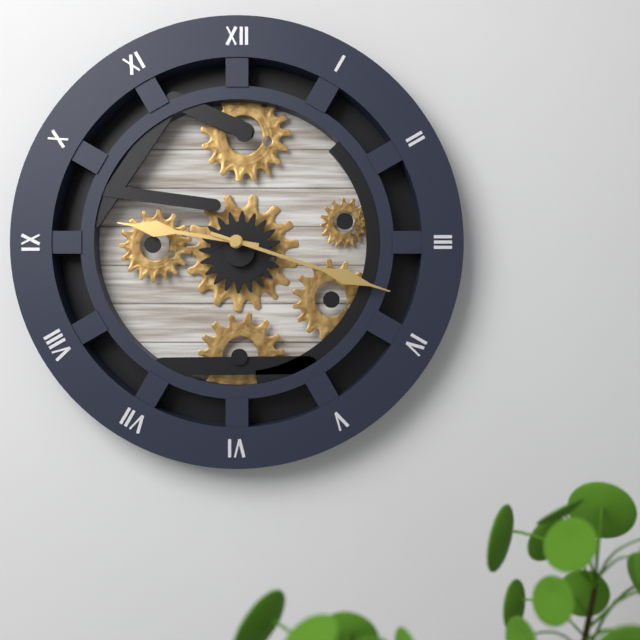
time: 9:18
